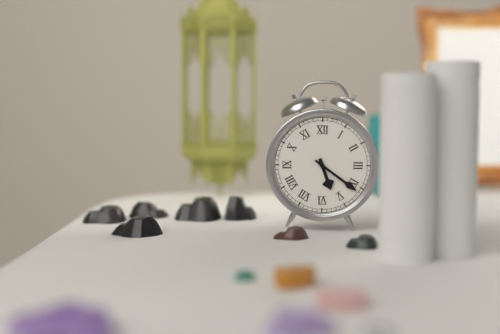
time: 5:21
